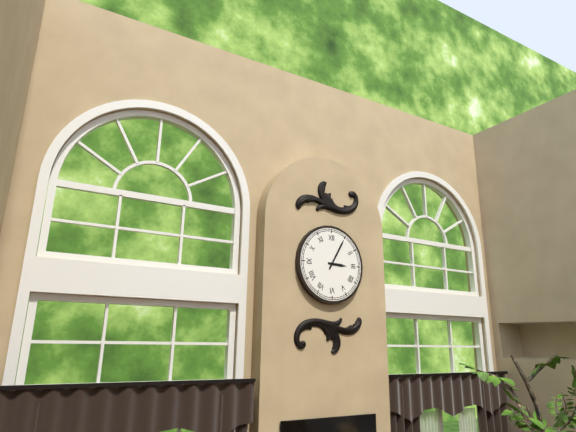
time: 3:05
